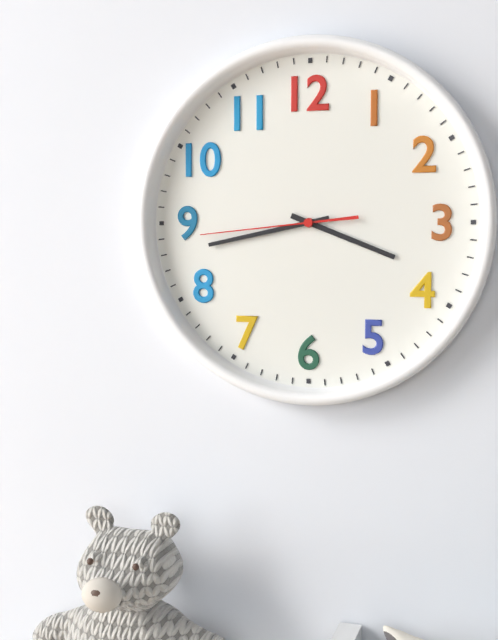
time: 3:43:44
